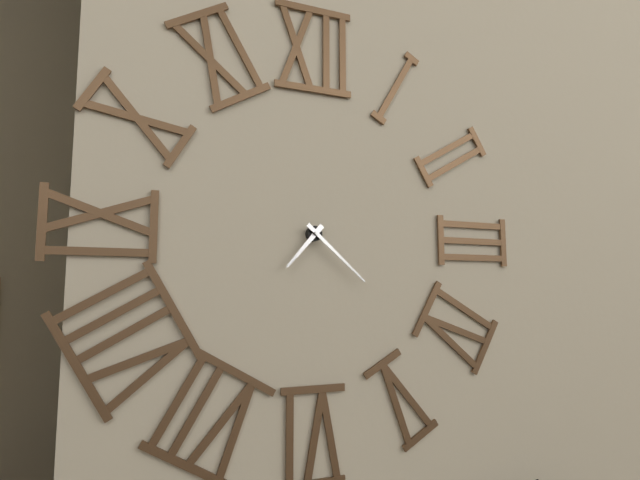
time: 7:22
